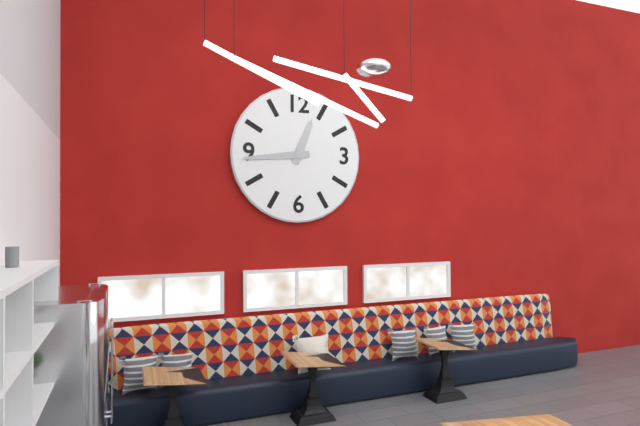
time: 12:44
